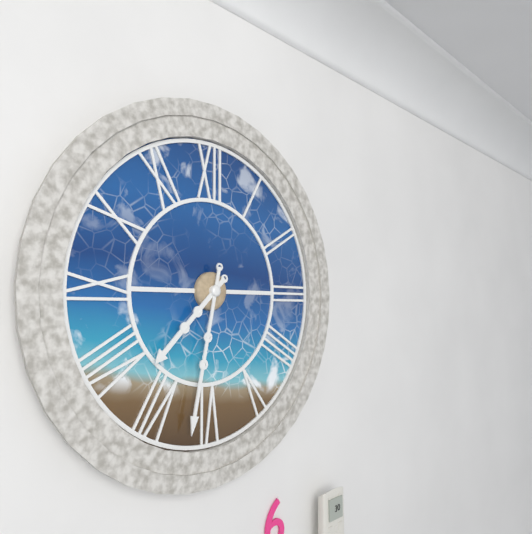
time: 7:32
